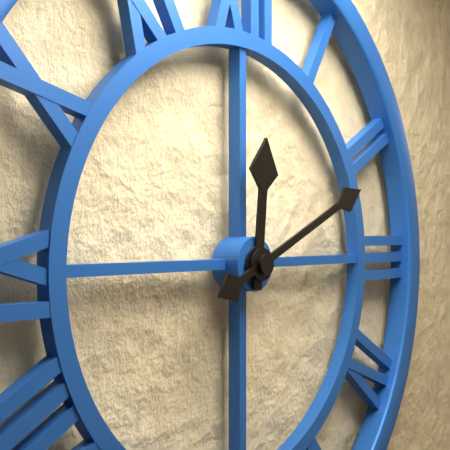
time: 12:11
